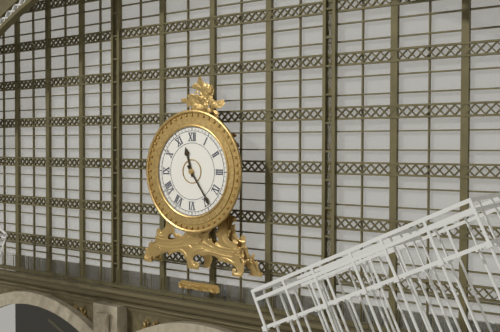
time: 11:24
